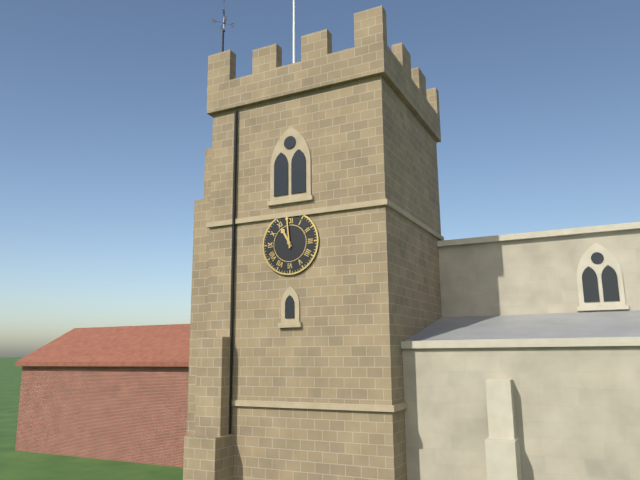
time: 10:59
